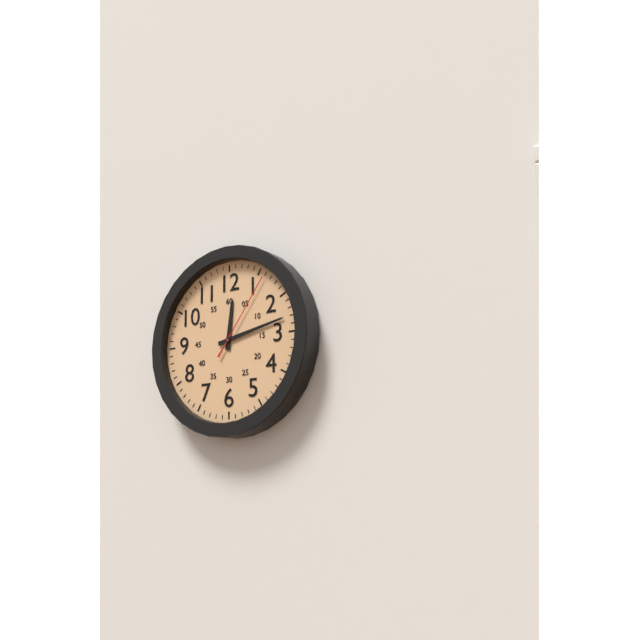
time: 12:13:06
